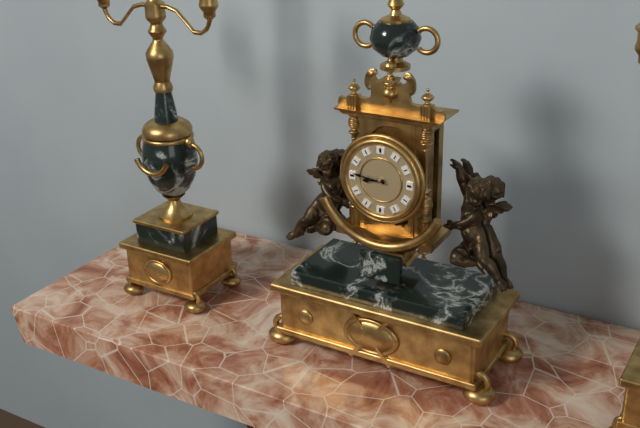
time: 8:46
